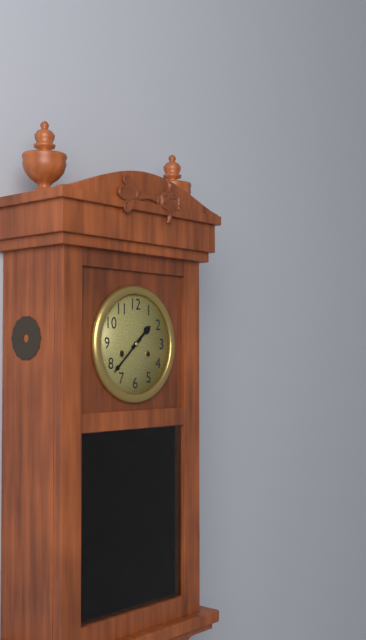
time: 1:38
